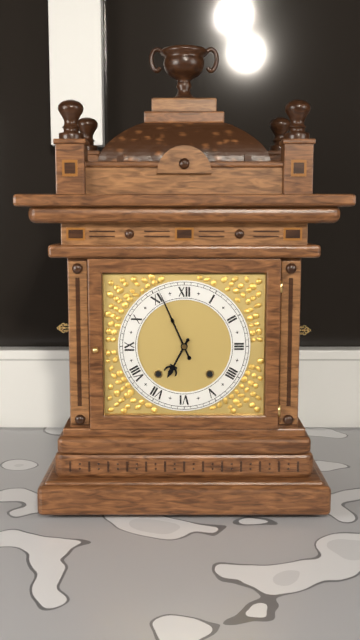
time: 6:56
